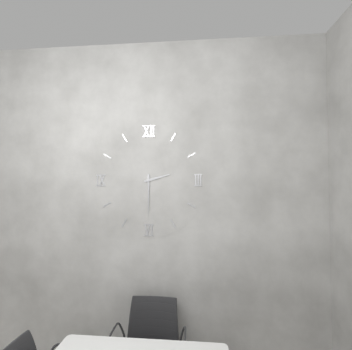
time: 2:30
